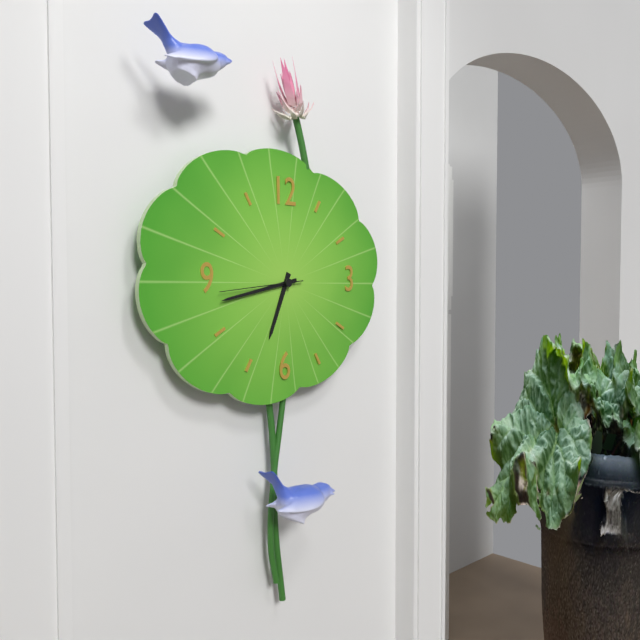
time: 6:43:44
